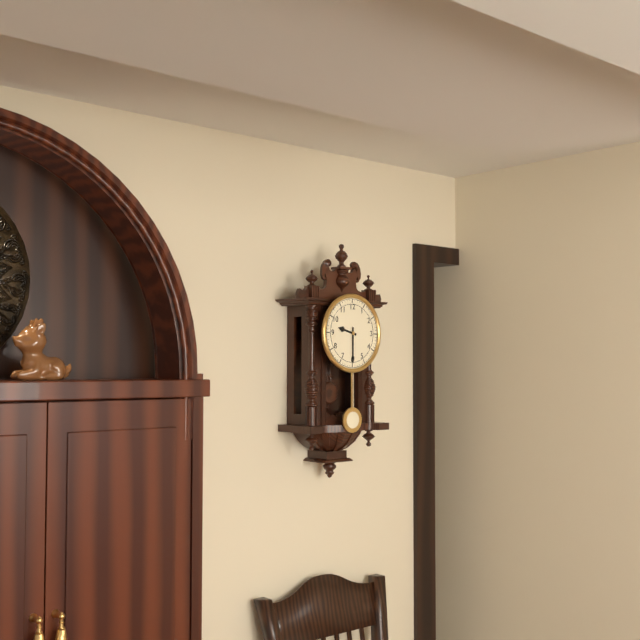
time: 9:30
